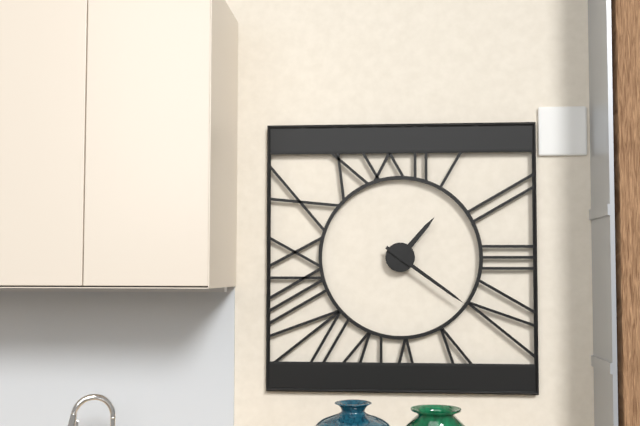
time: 1:21
